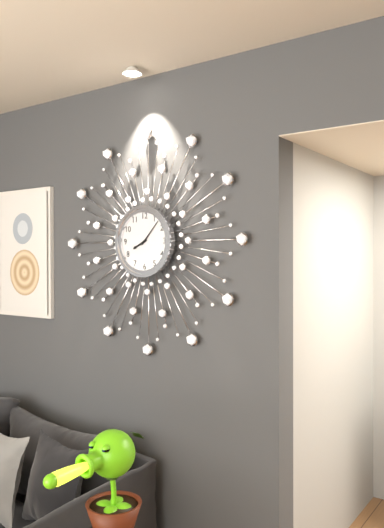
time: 8:07
